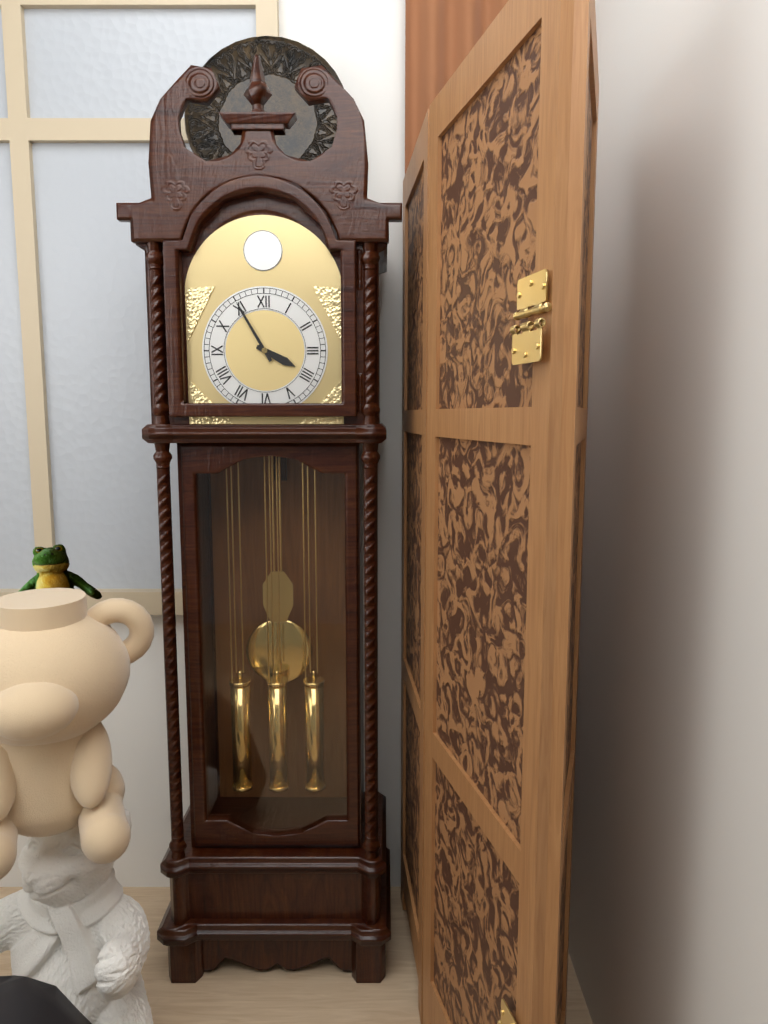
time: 3:55
